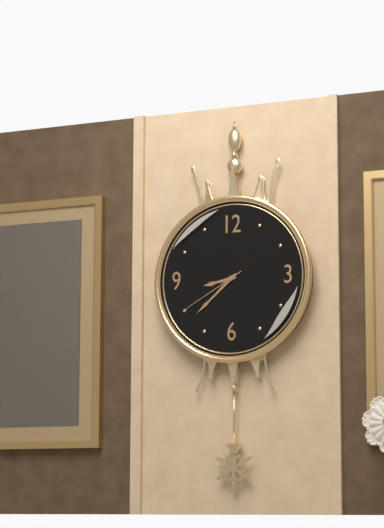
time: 8:38:40
